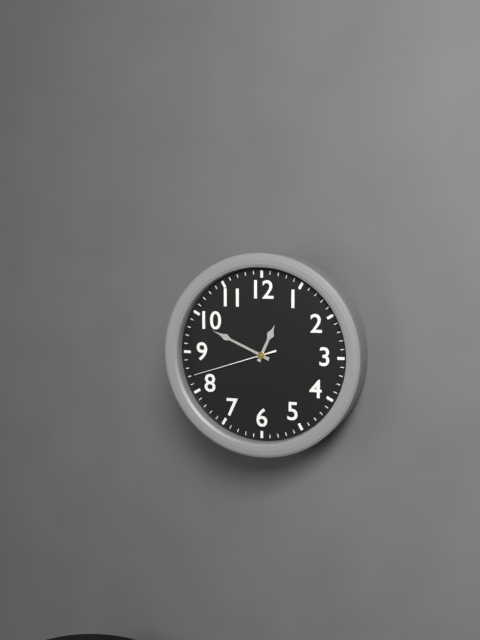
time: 12:49:42
